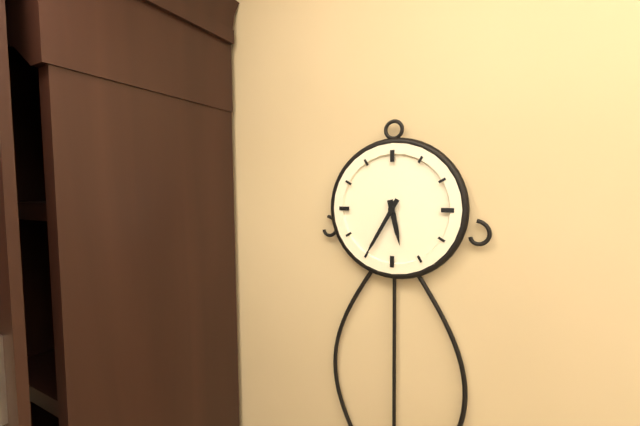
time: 5:35
